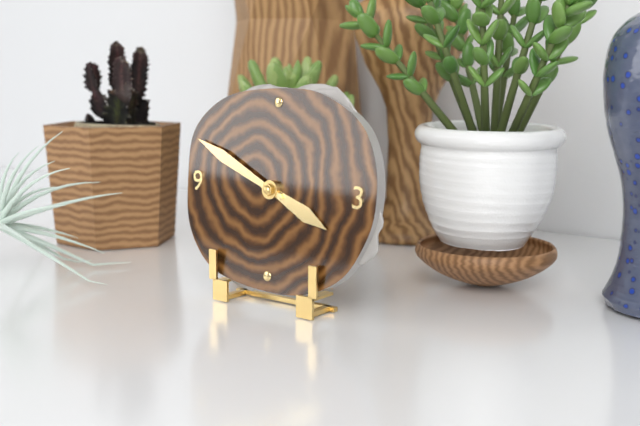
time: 3:49
